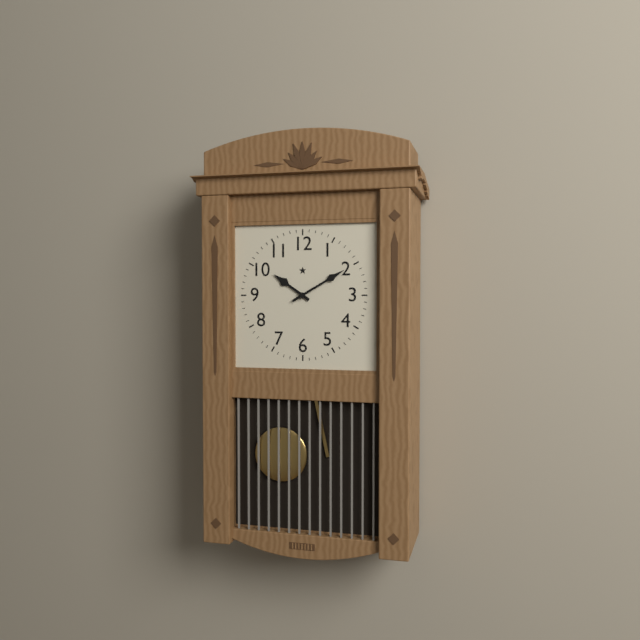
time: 10:10
